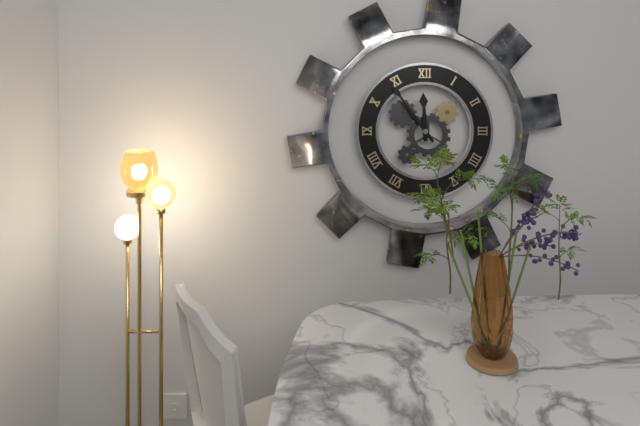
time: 11:54
